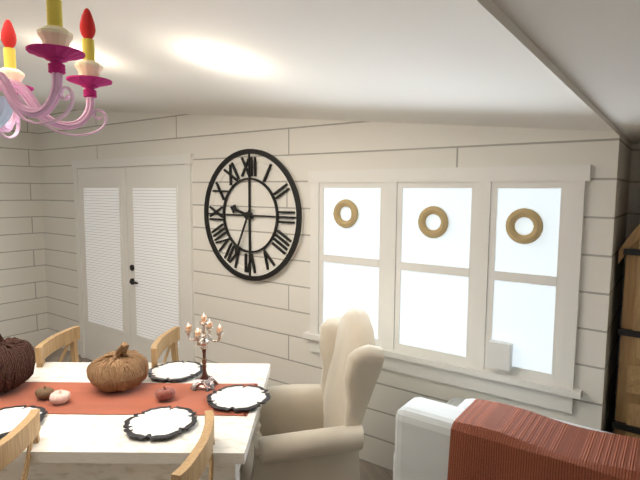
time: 9:34
